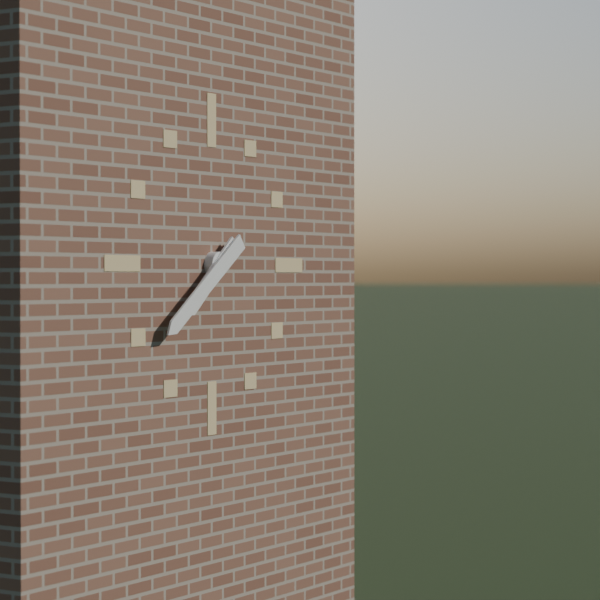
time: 7:39
